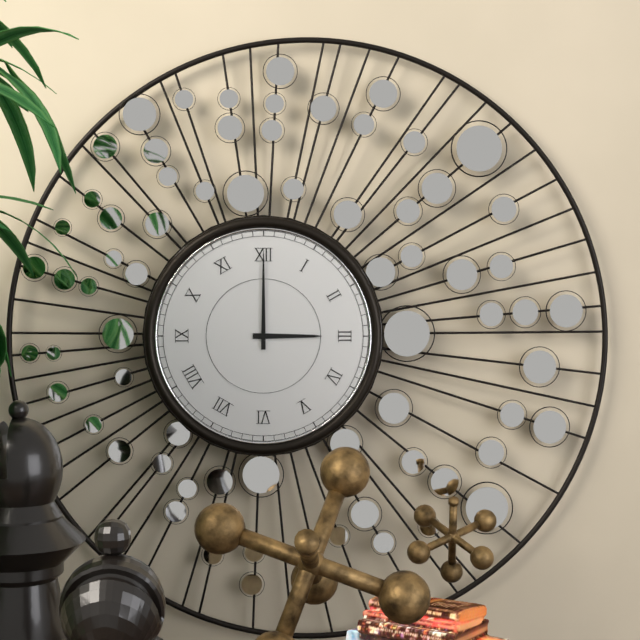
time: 3:00
